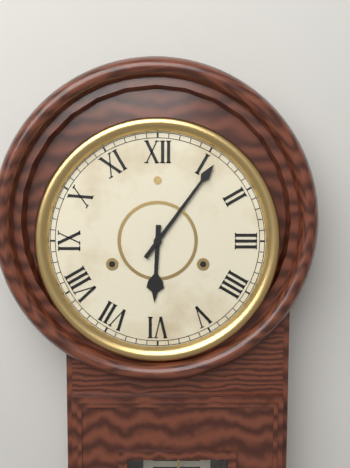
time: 6:06
